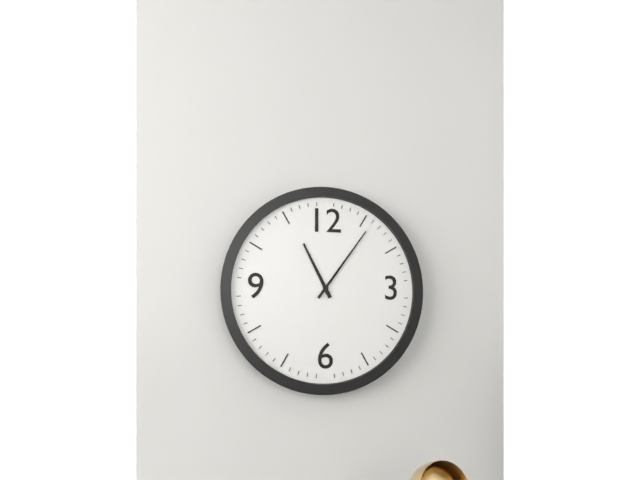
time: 11:06
